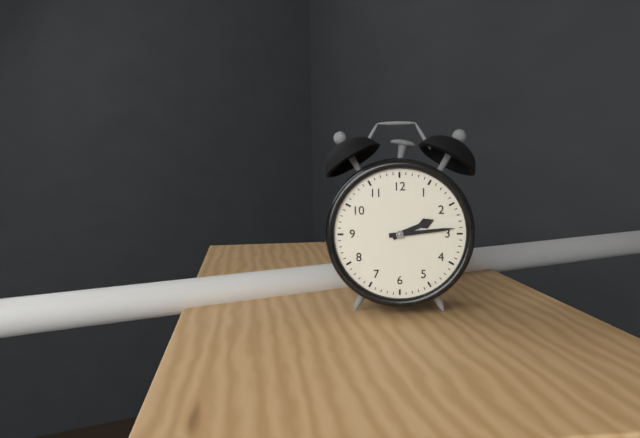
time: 2:14
